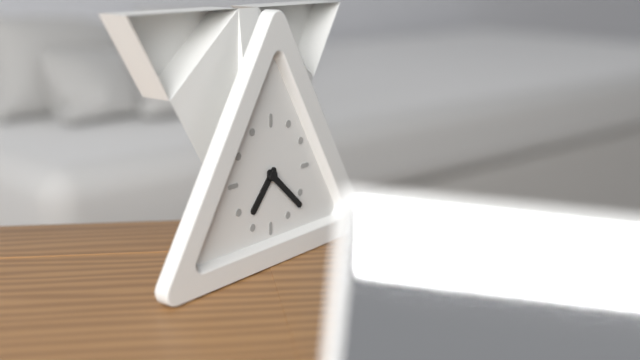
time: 7:22
